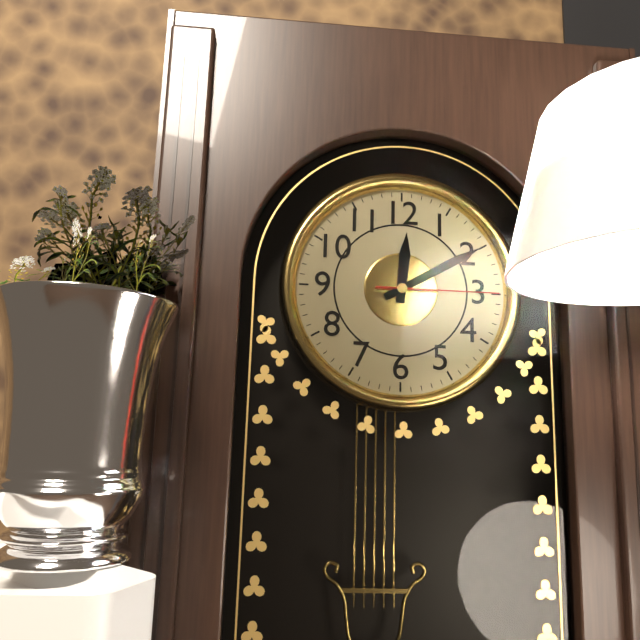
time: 12:10:15
